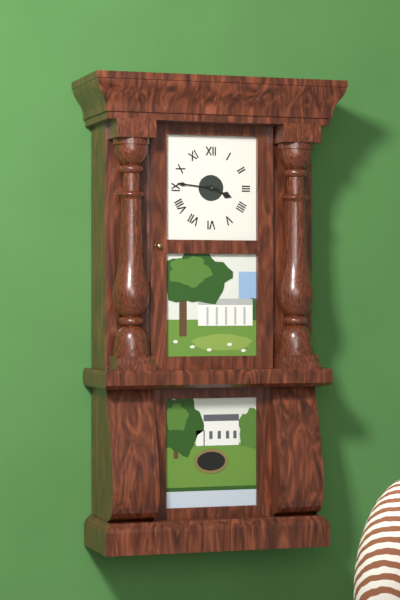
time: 3:46
